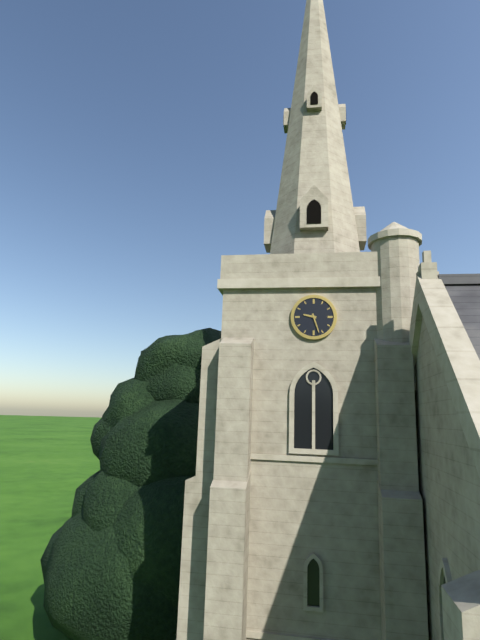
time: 9:27
